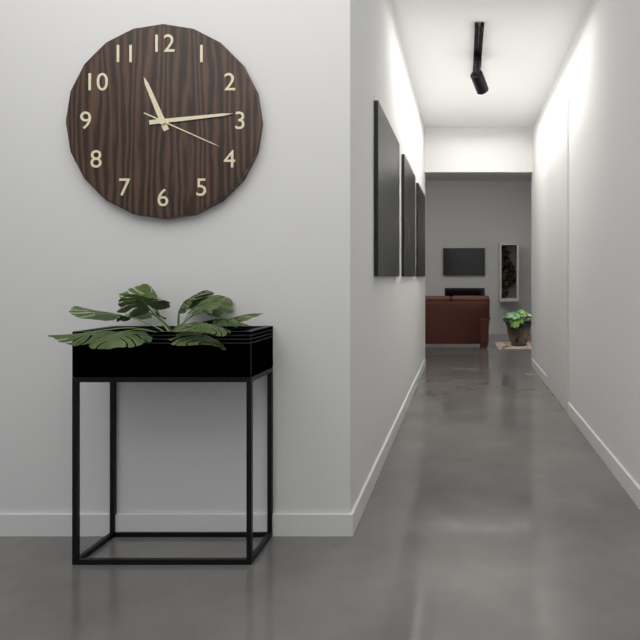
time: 11:14:19
